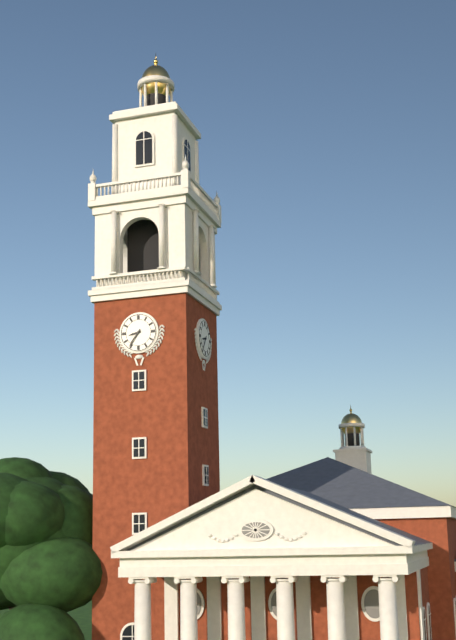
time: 8:36
